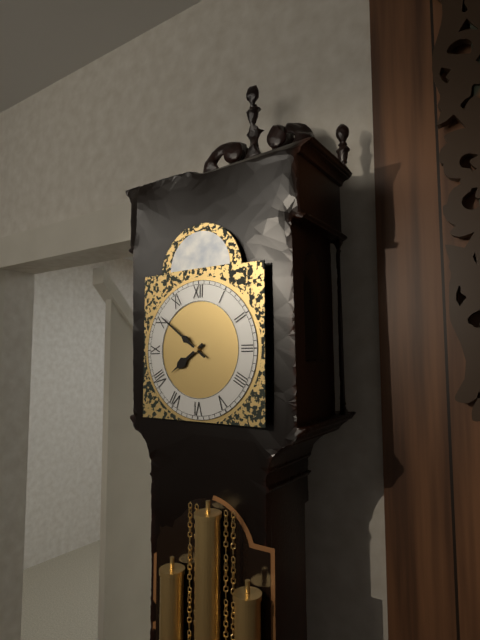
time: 7:51
